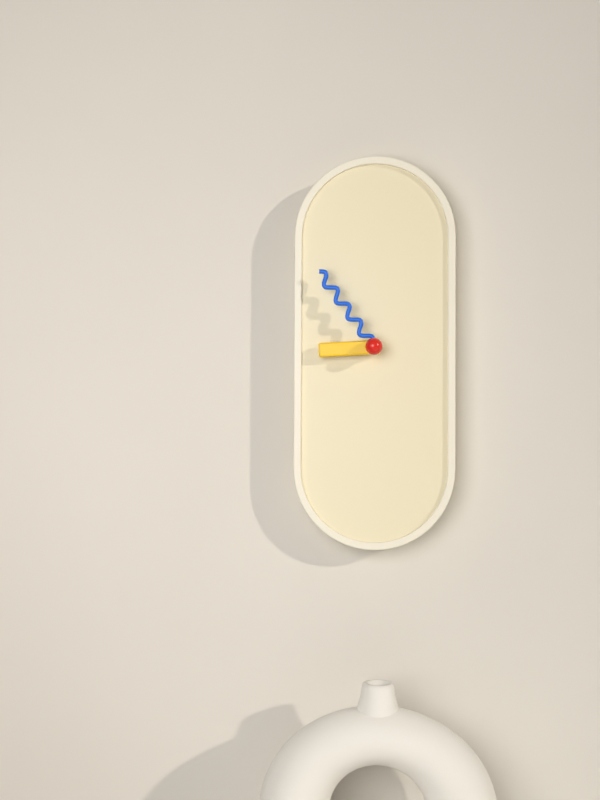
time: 8:54
